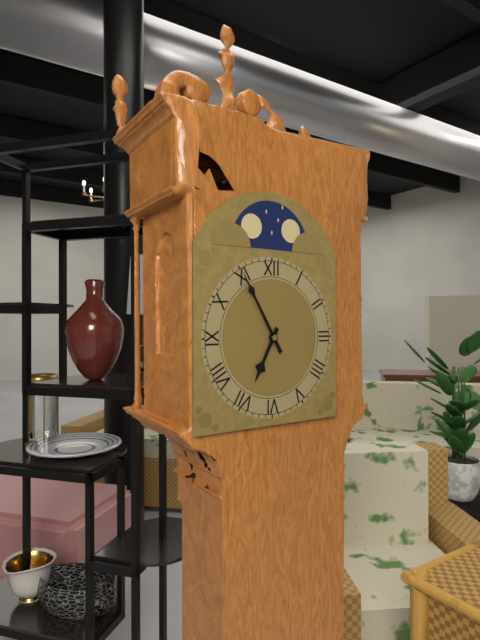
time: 6:55
